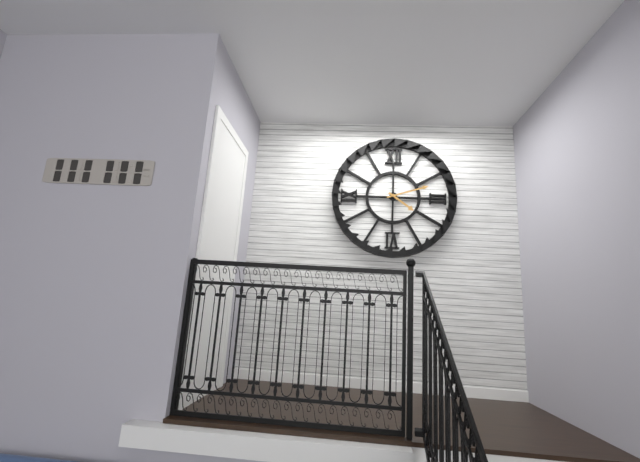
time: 4:12
